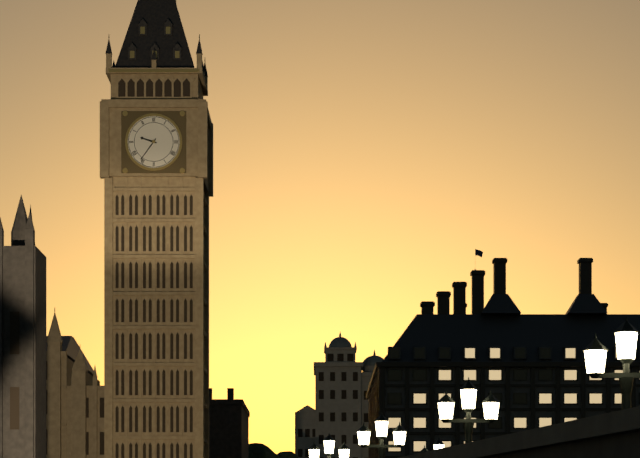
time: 9:36
